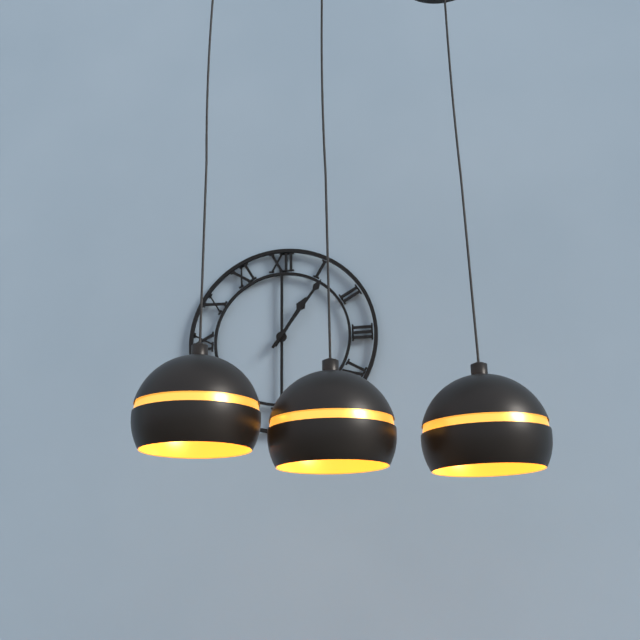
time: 1:06
